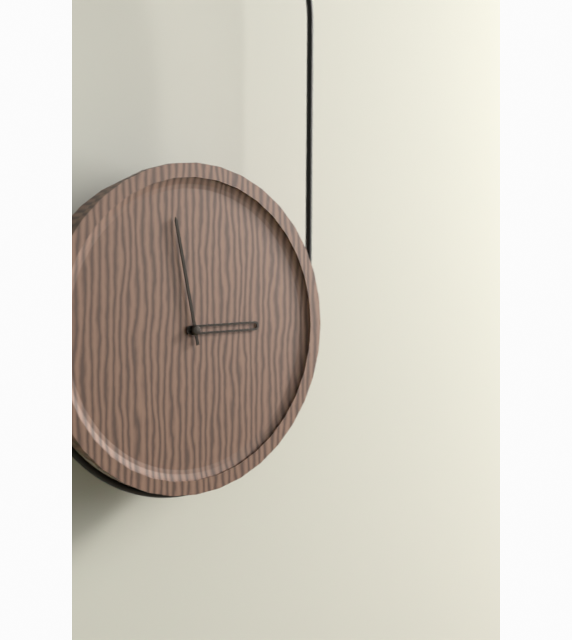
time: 2:58
